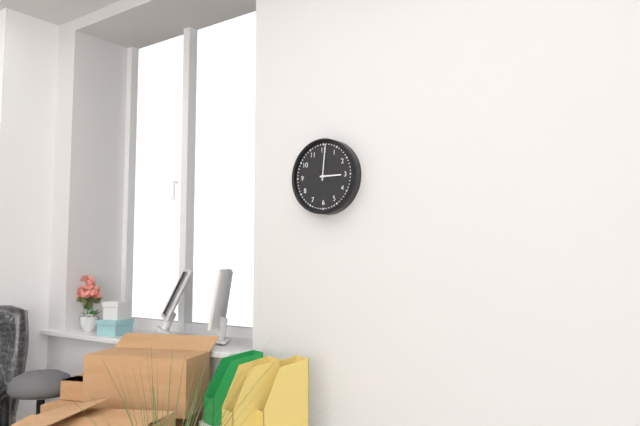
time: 3:01
